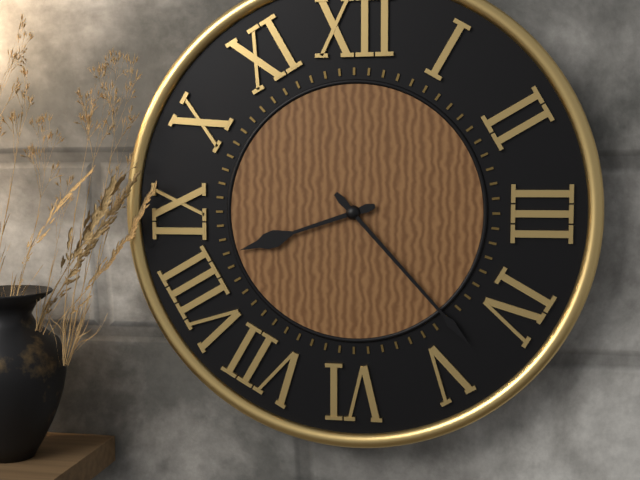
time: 8:23
